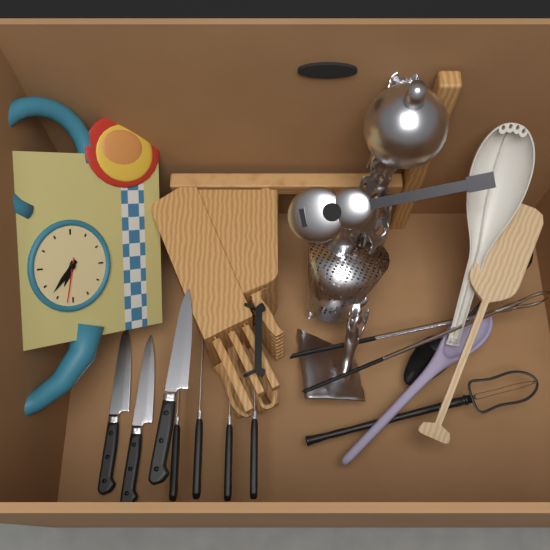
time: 9:52
